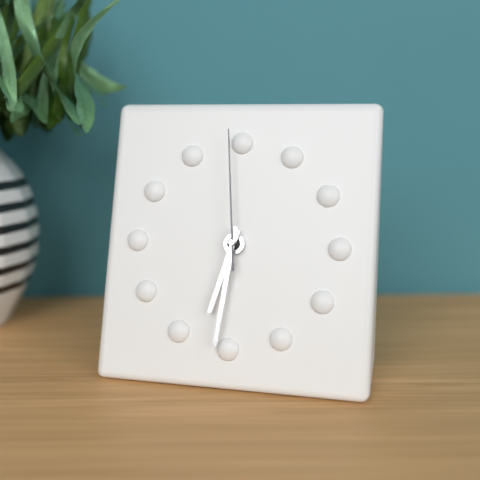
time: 6:31:59
